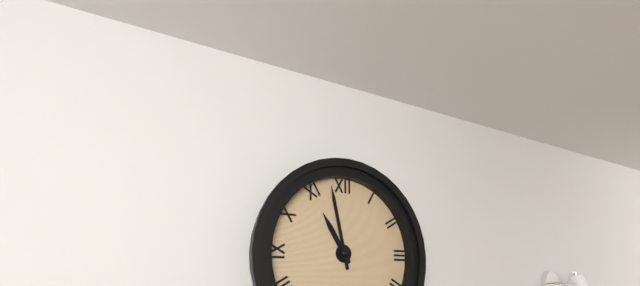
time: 10:58
